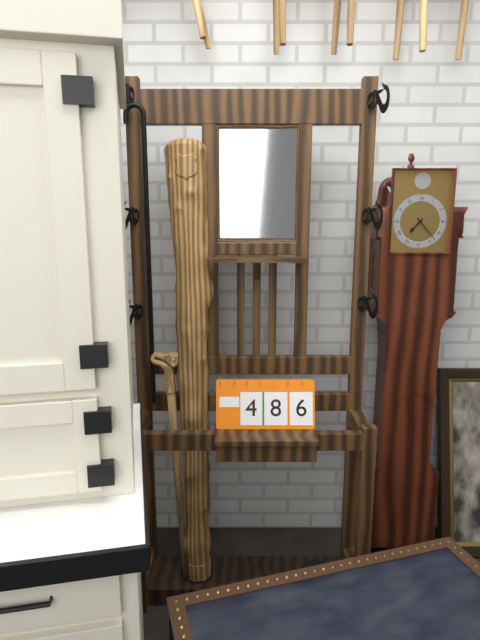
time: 7:23
